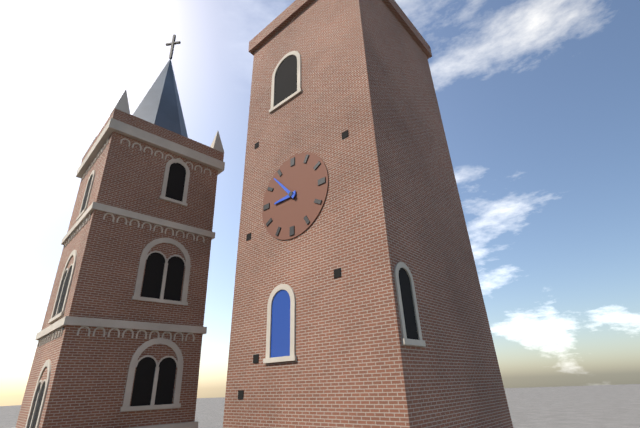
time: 8:53
